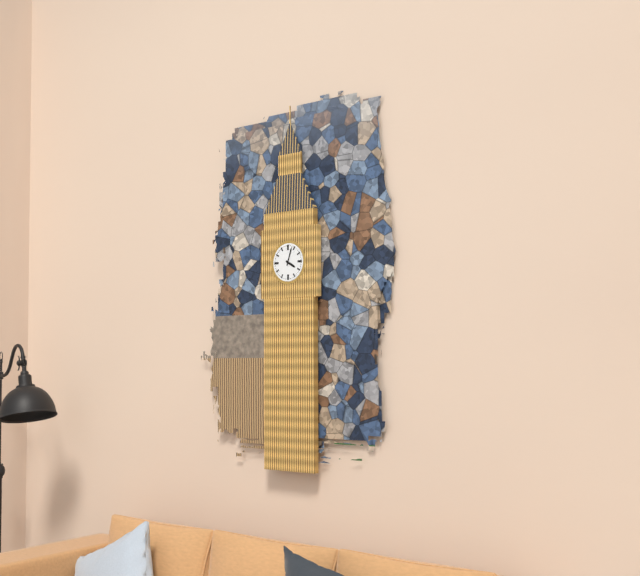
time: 4:03
